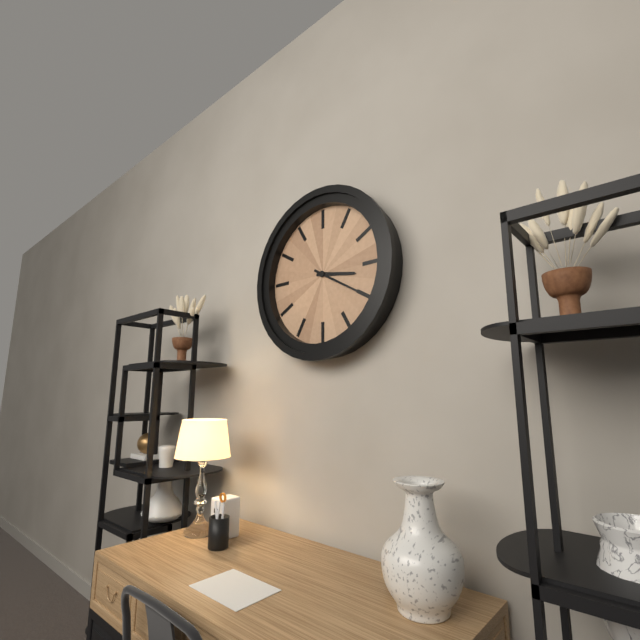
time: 3:20
